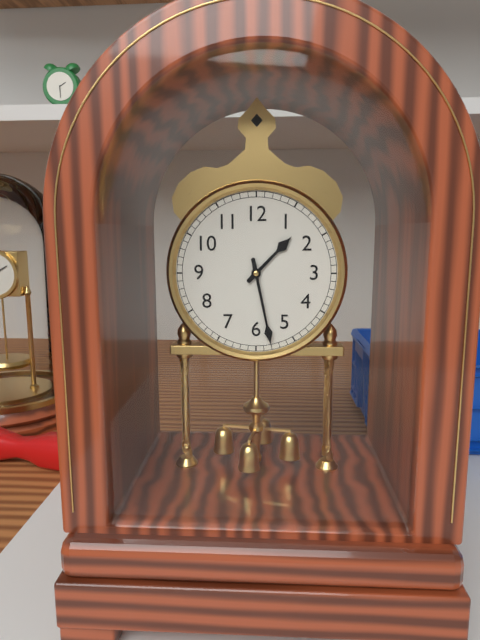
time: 1:28
